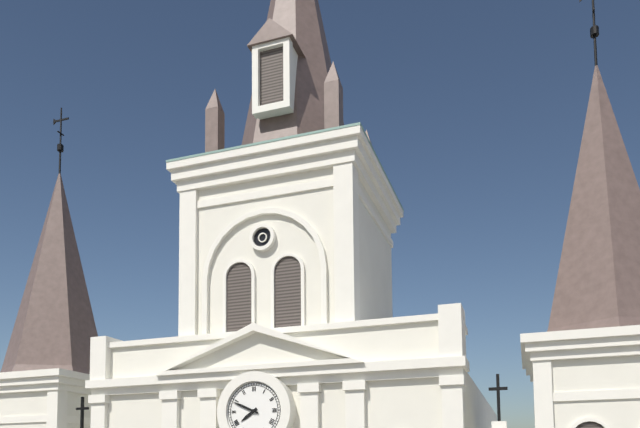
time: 7:49
